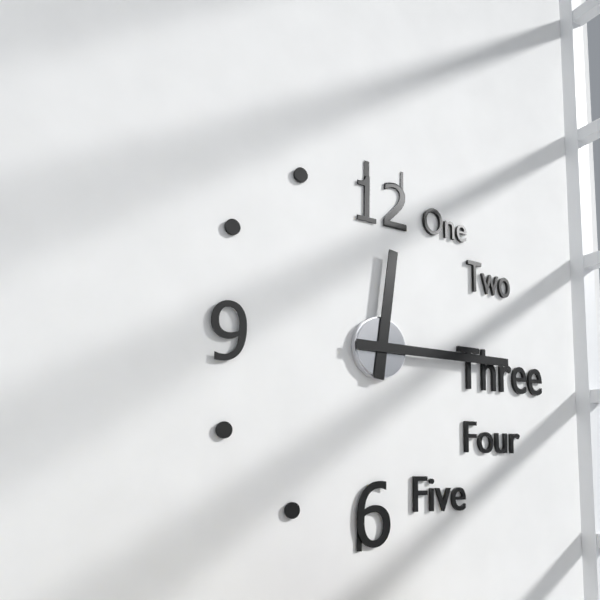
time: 12:15
